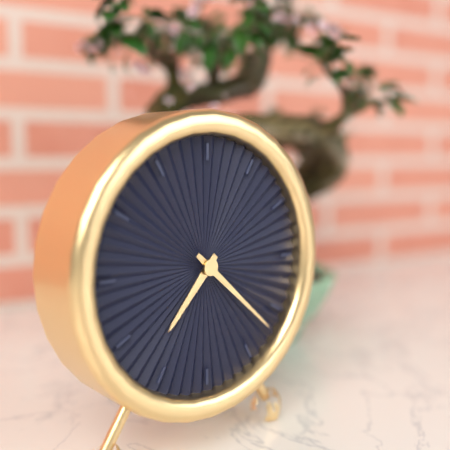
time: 7:22
